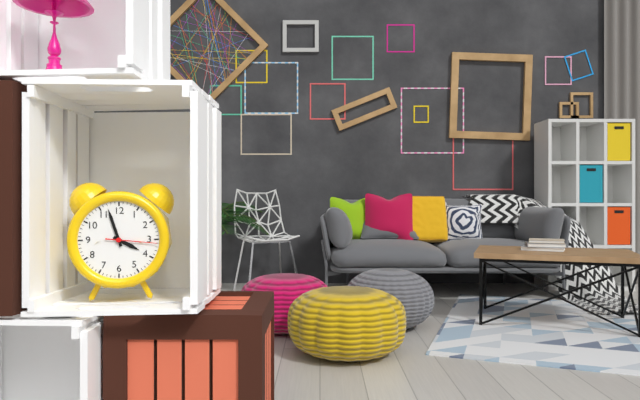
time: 3:57
